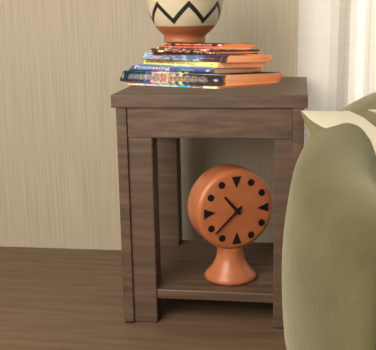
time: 10:38
